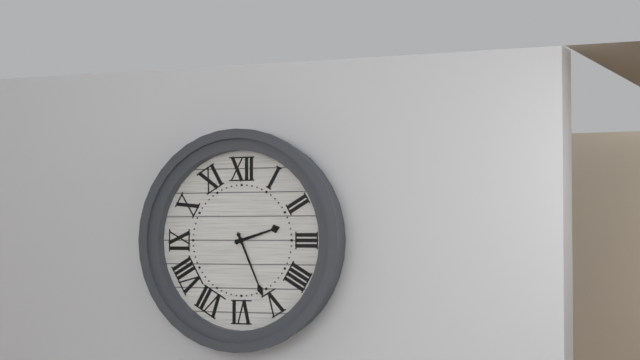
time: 2:26
